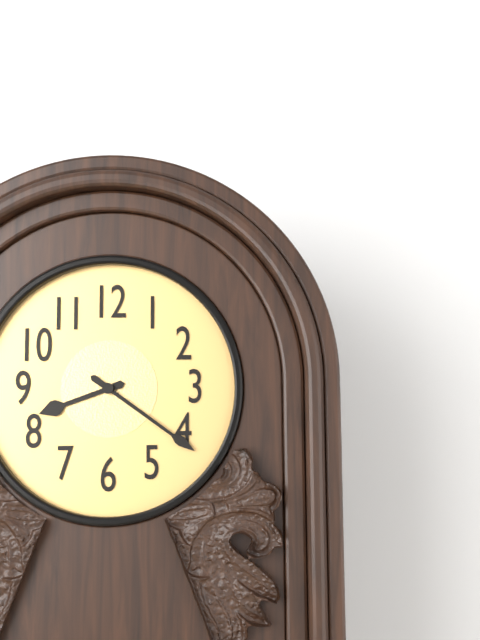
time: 8:21
